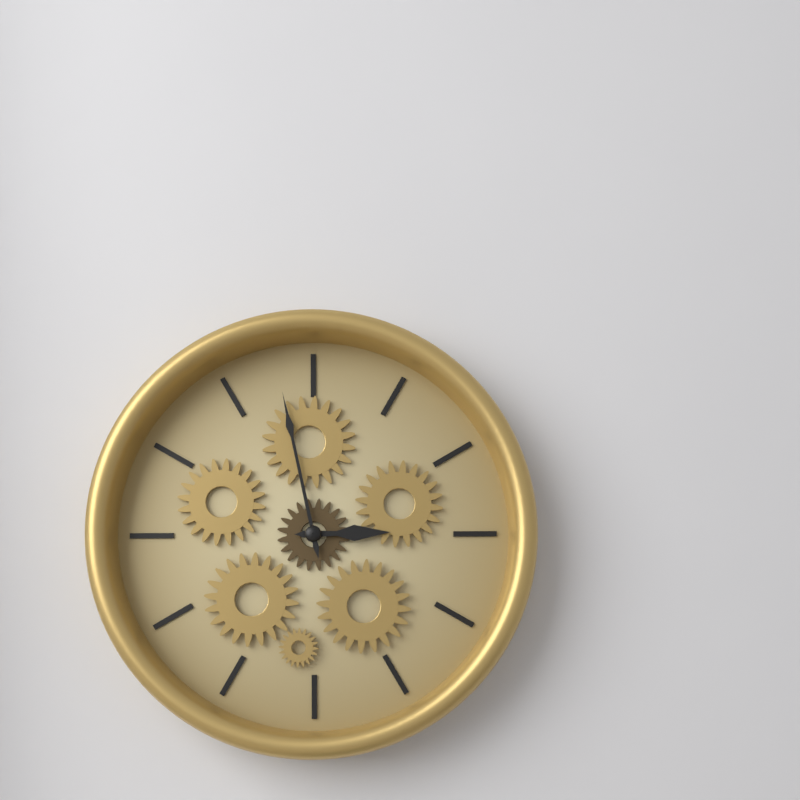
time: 2:58
